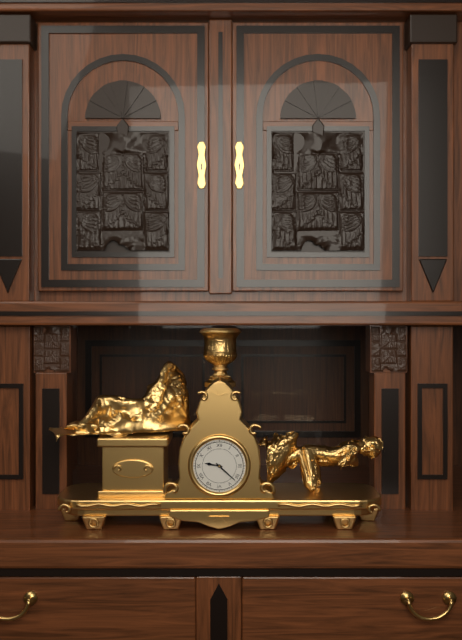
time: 9:22
